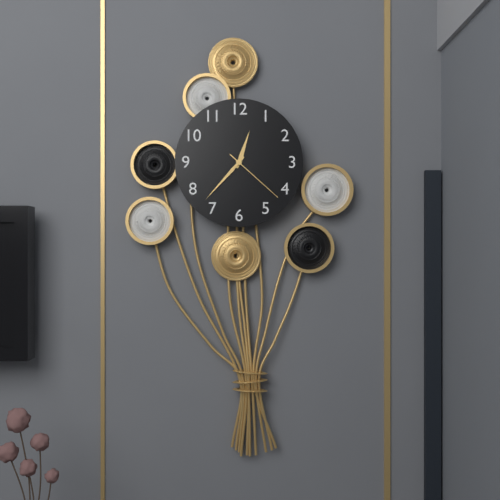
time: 12:37:22
